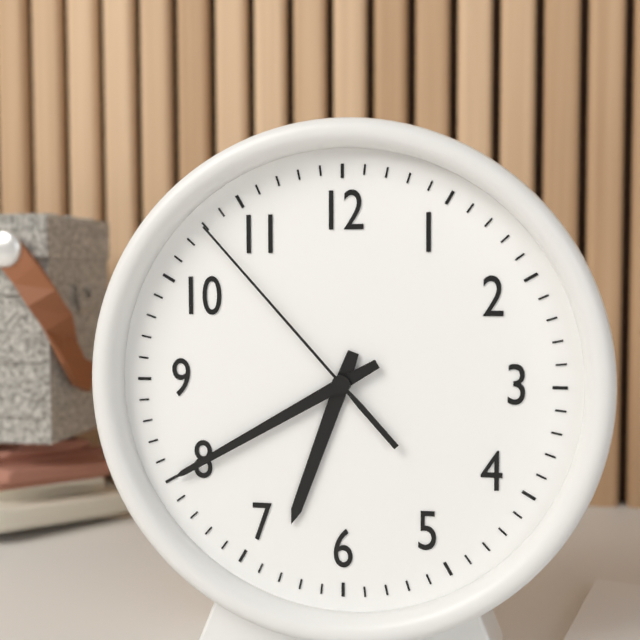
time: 6:40:53
